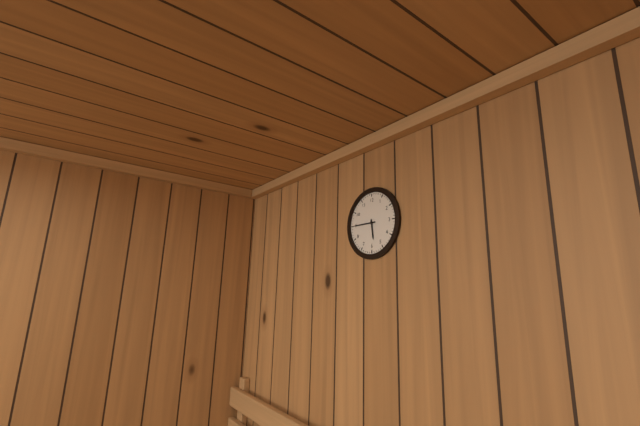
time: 5:45
